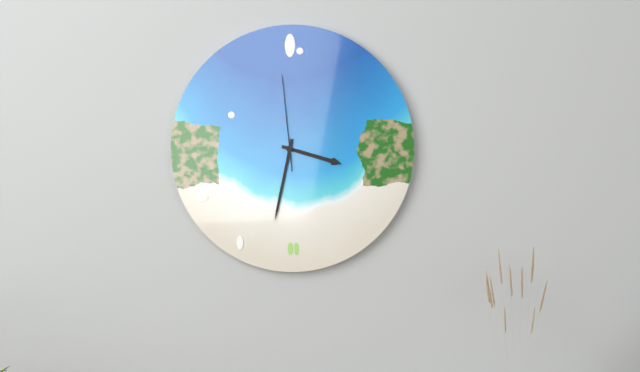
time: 3:32:59
